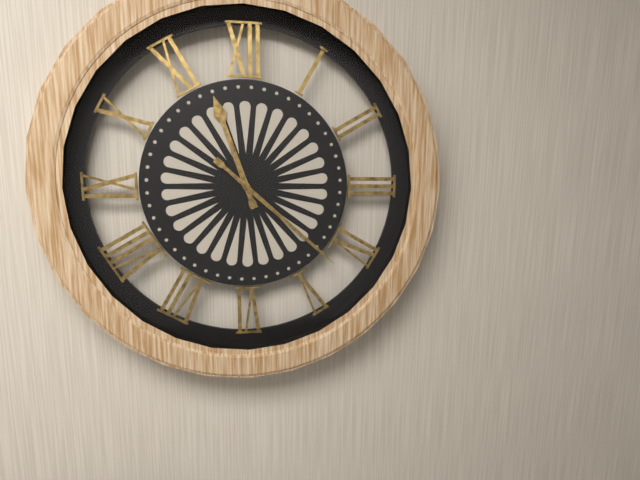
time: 11:22
